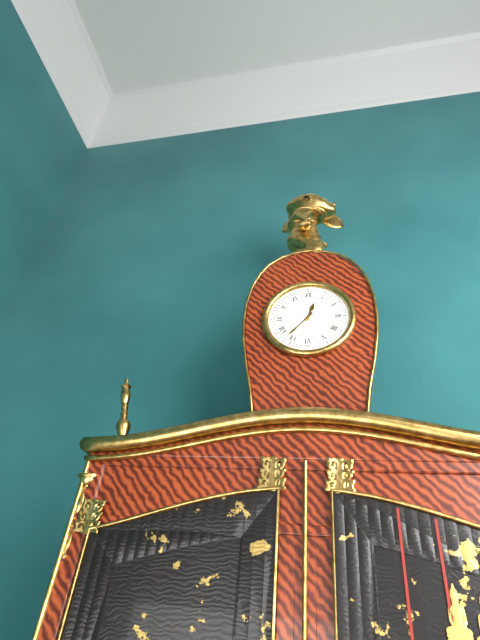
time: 12:37
